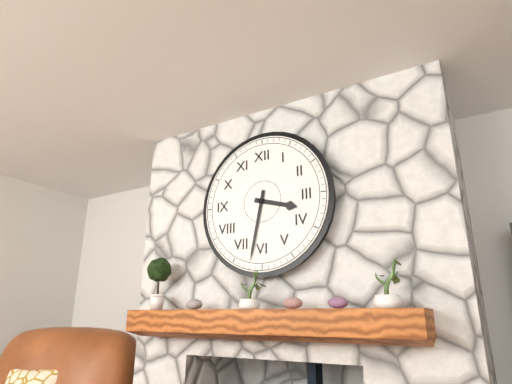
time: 3:32
